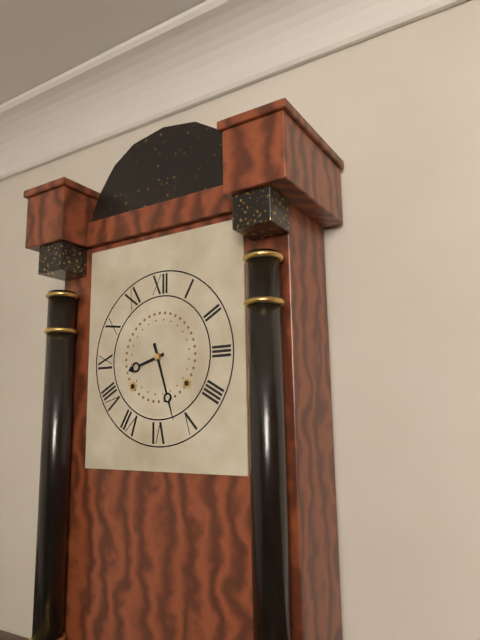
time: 8:27
